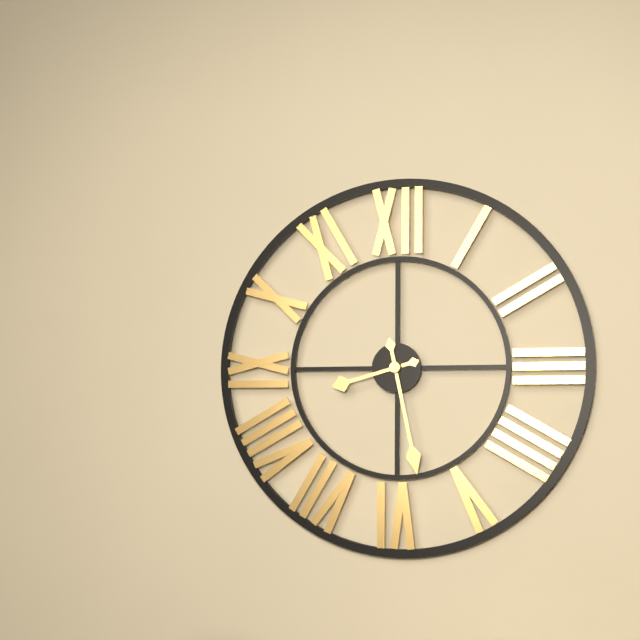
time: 8:28
